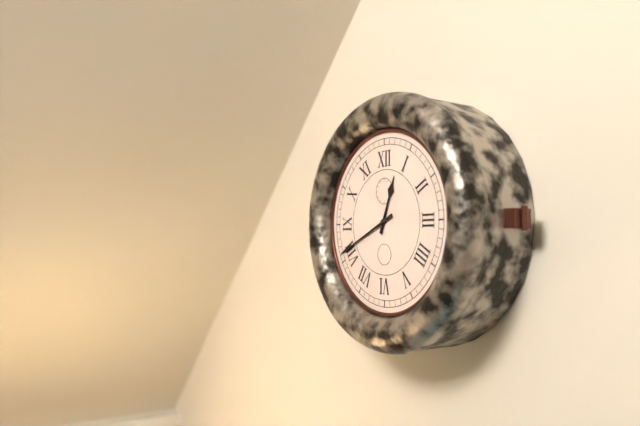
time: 12:41
